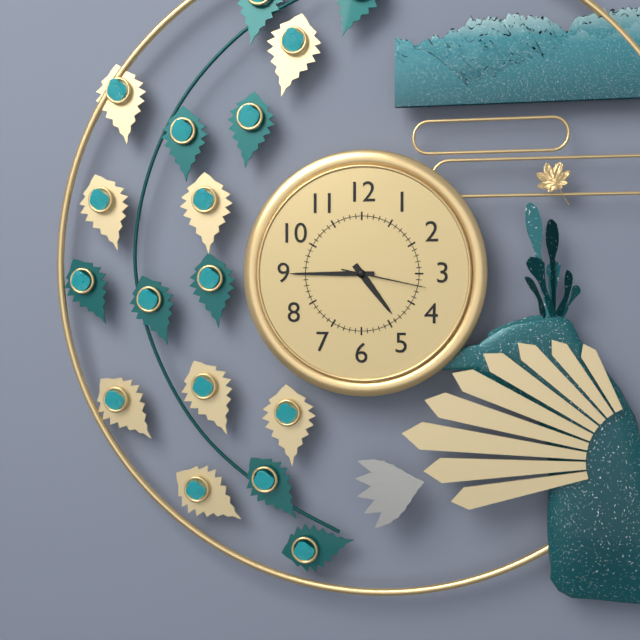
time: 4:45:17
